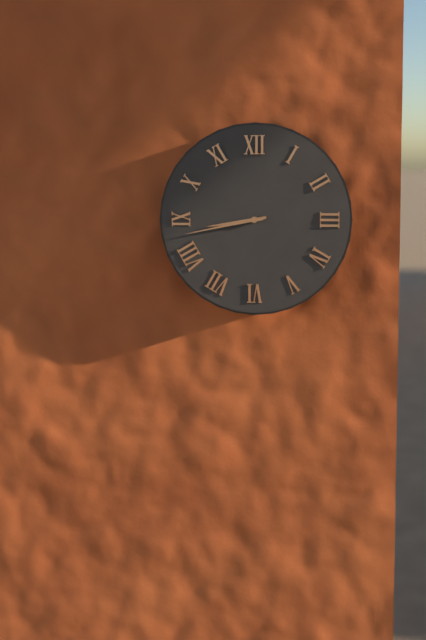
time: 8:43
